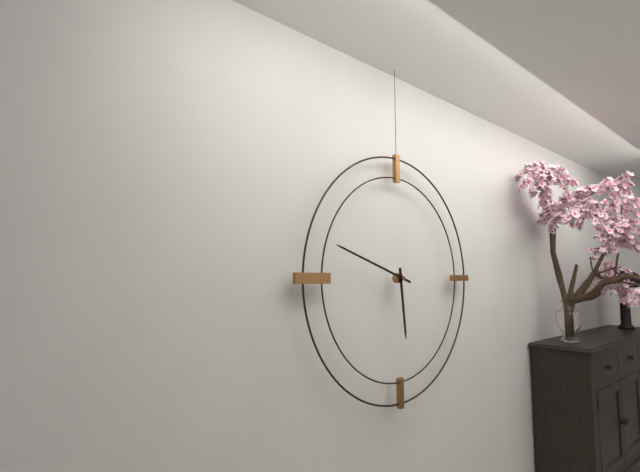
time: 5:48
